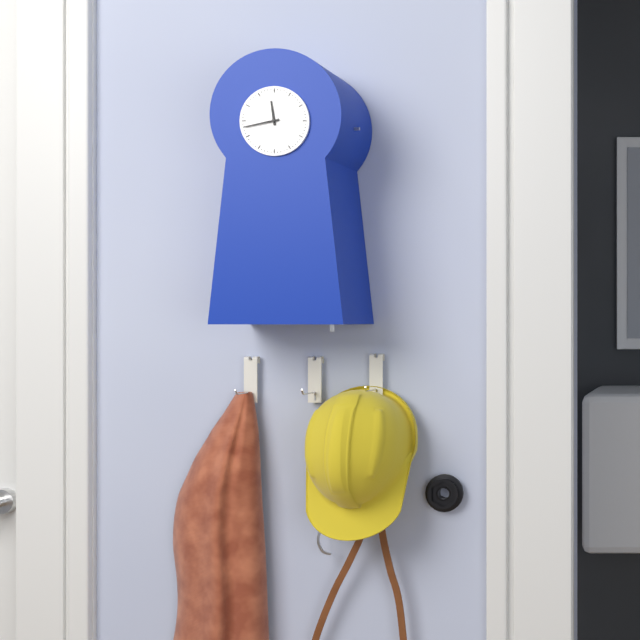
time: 11:43
